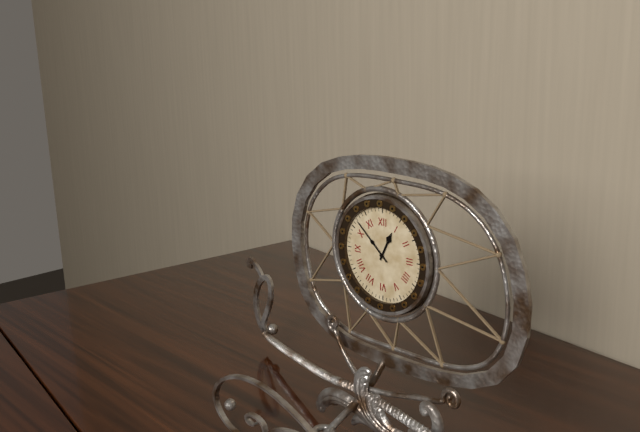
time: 12:52
